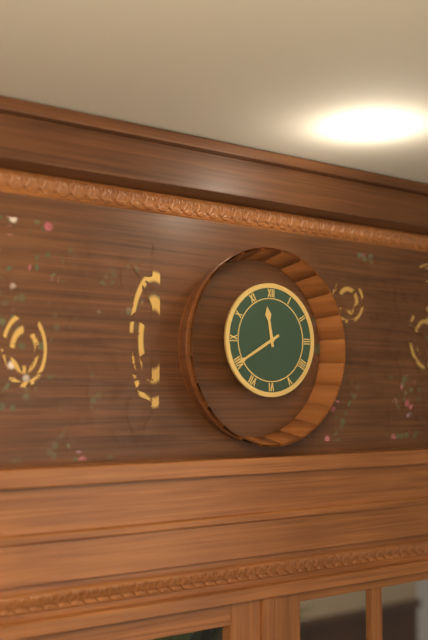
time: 11:40
